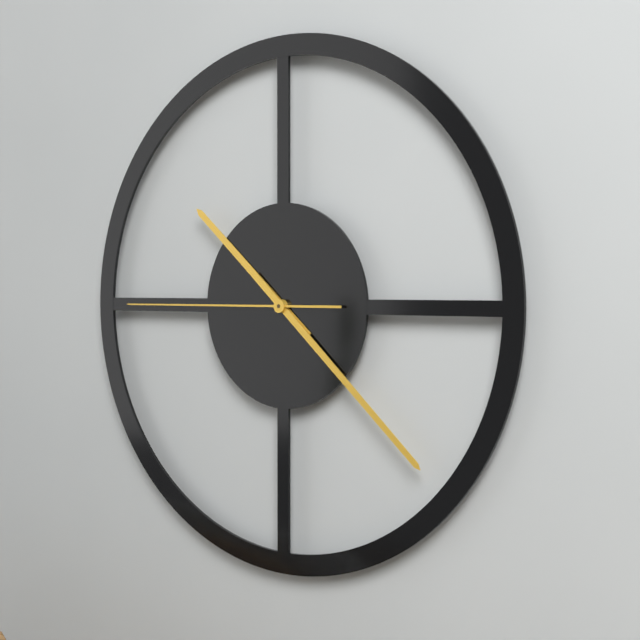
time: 10:22:45
